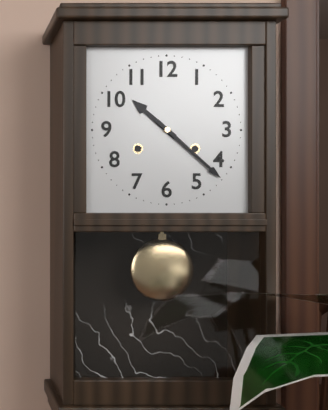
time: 10:22
